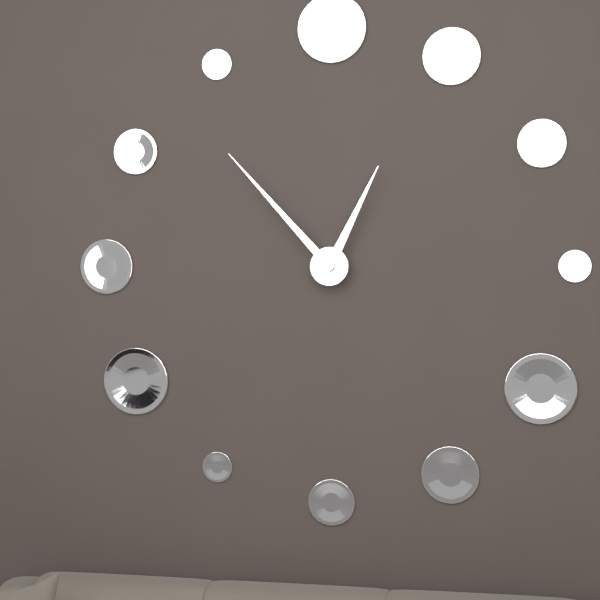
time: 12:53
